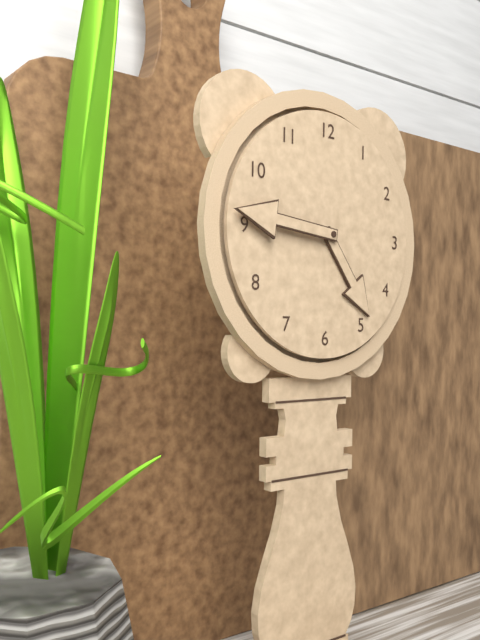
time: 4:46
